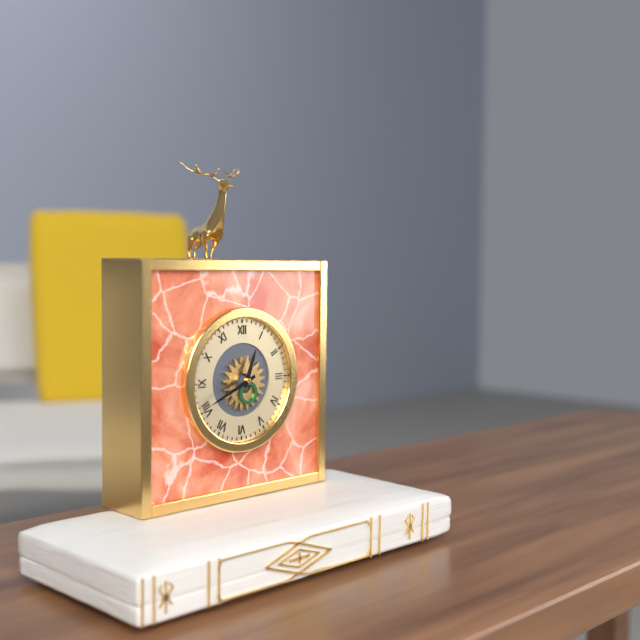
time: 12:41
